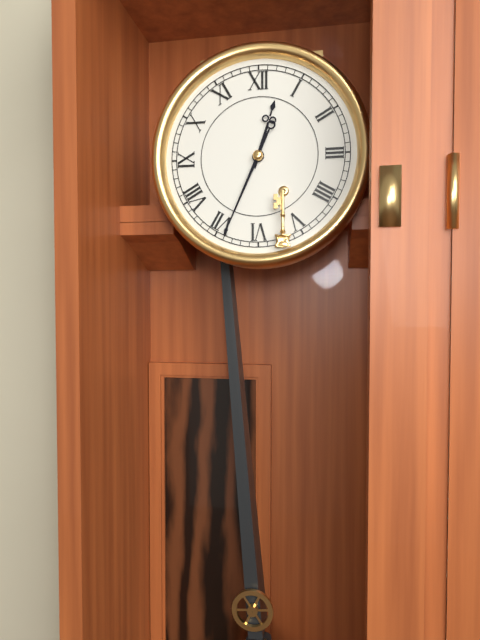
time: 12:34
